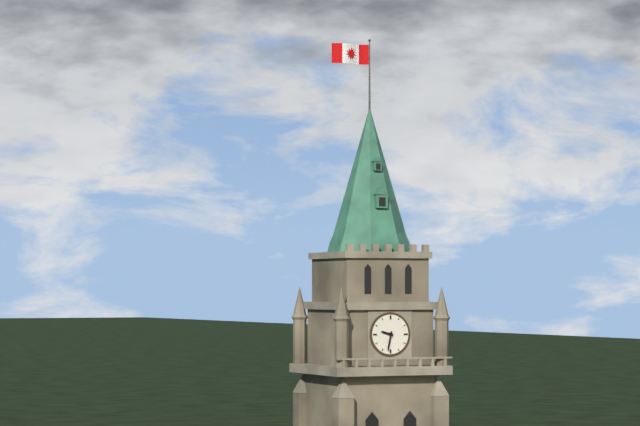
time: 9:32
